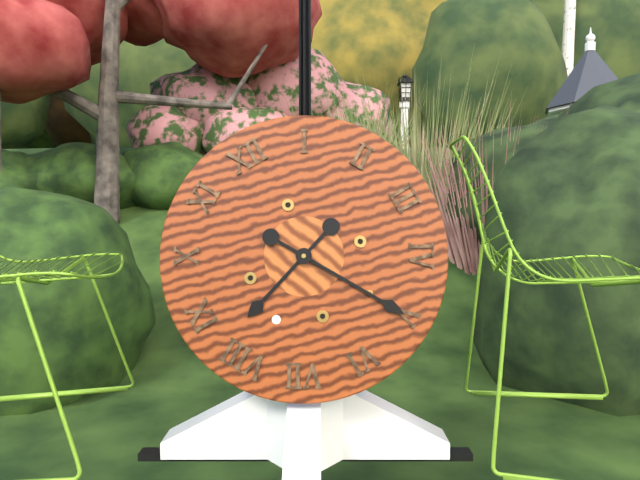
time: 8:25
